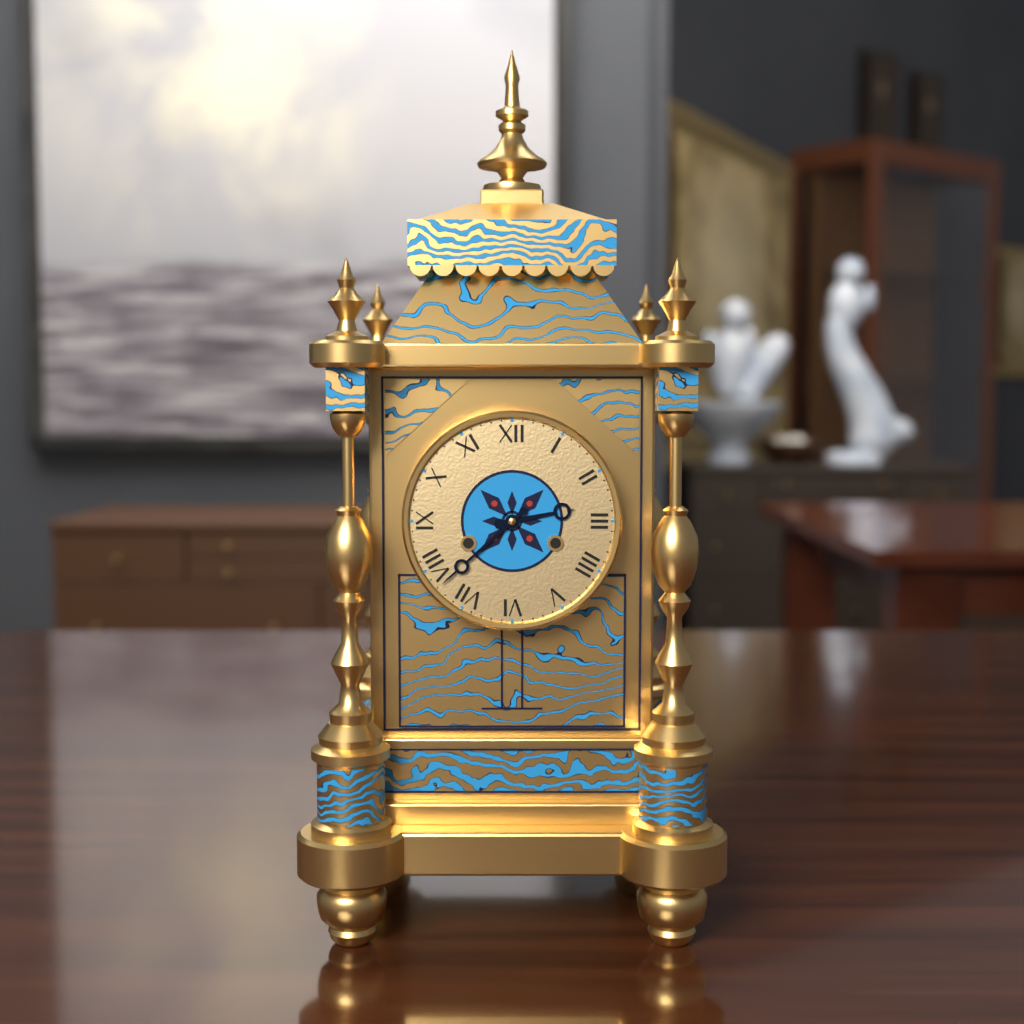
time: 2:38
